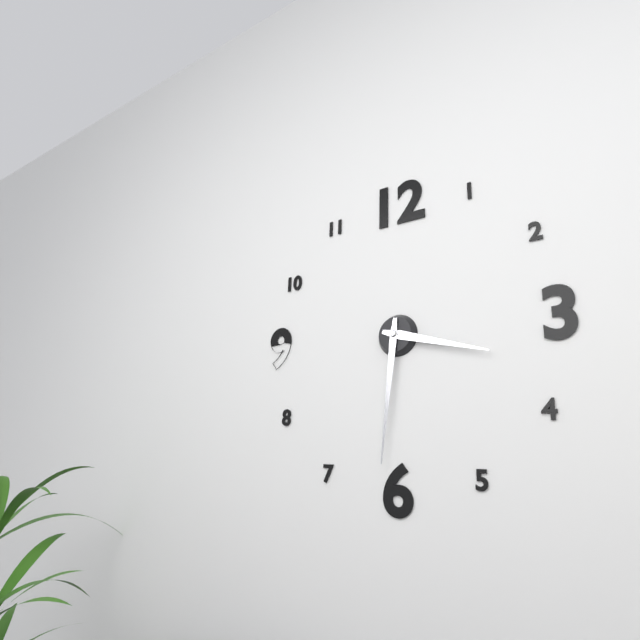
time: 3:31
